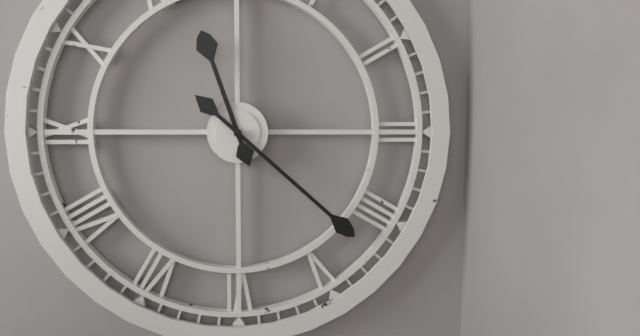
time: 11:22
